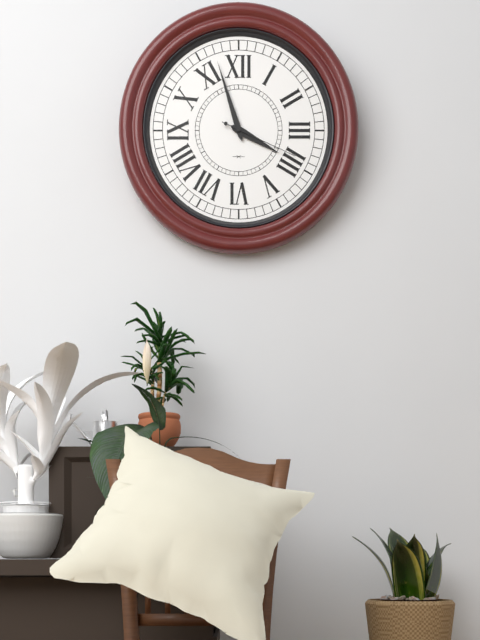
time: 3:57:19
